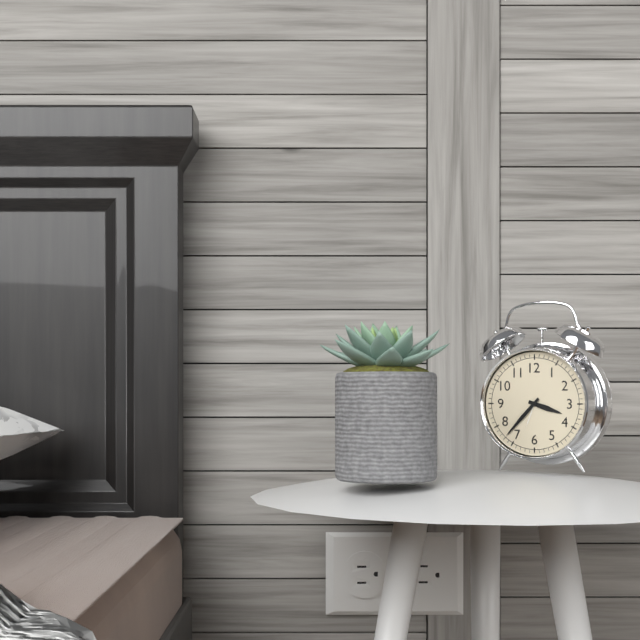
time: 3:37
